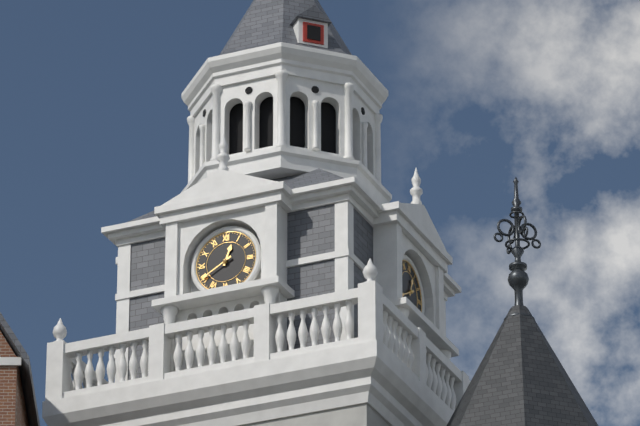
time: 12:40
